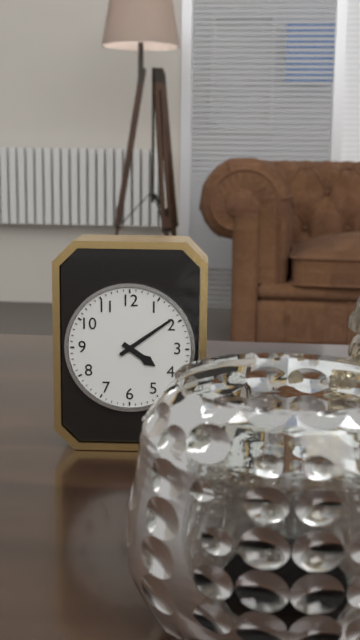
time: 4:09
